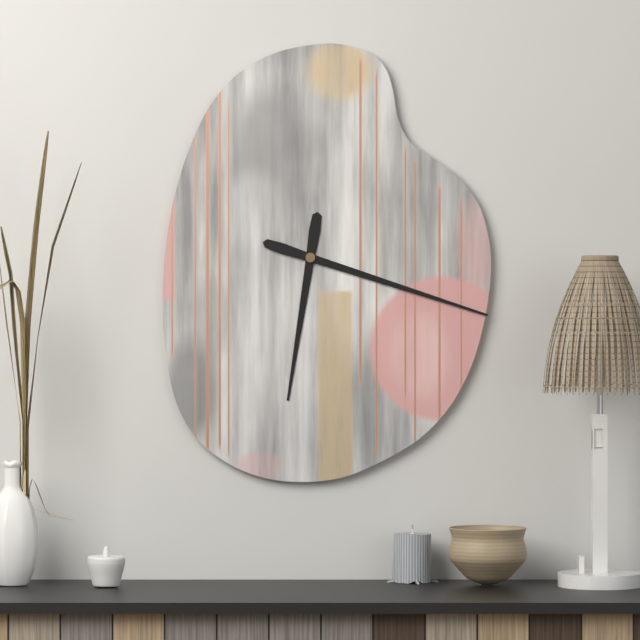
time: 6:18
